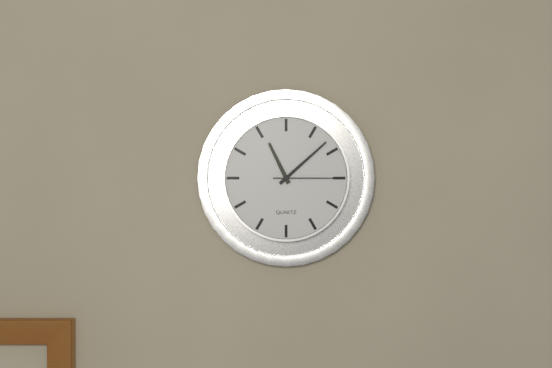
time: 11:08:15
